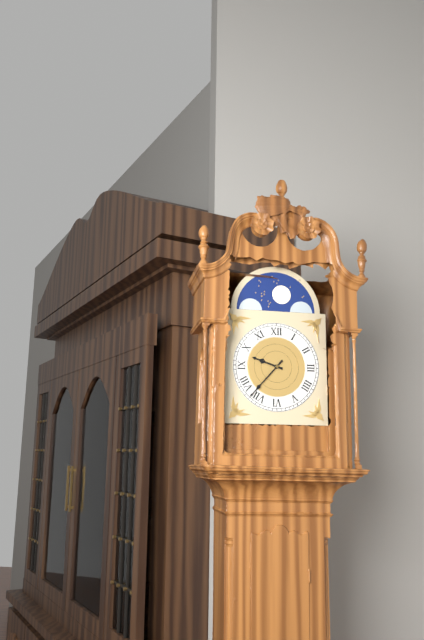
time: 9:37
